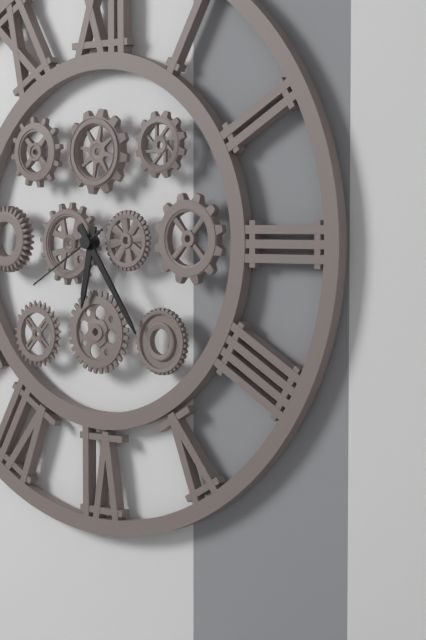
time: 6:24:40
